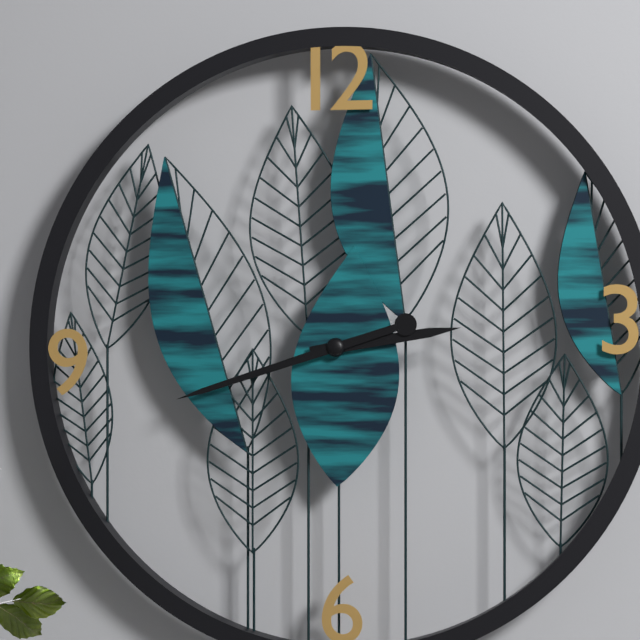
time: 2:42
